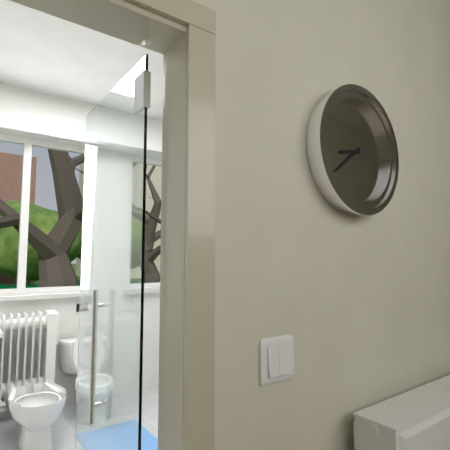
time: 8:39
